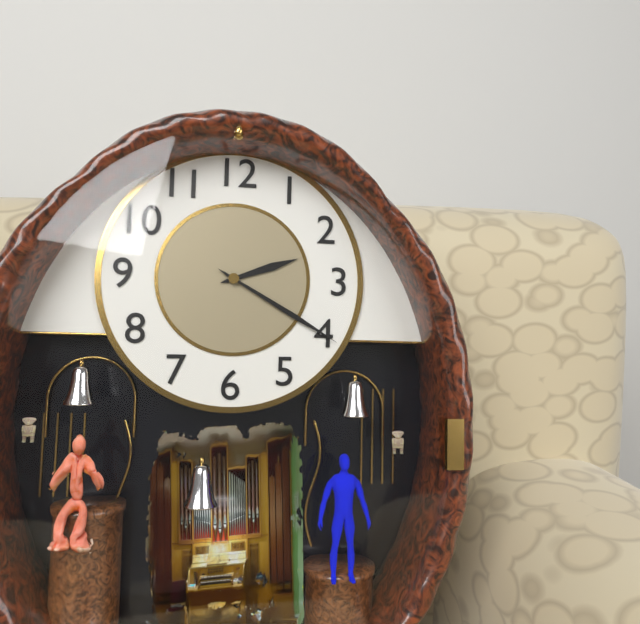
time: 2:20
